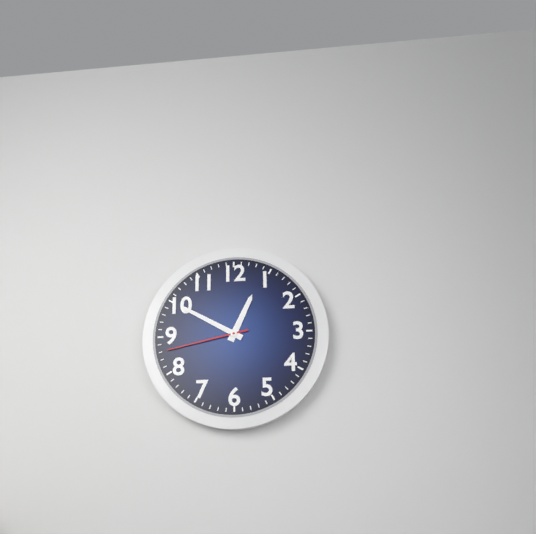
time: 12:50:43
